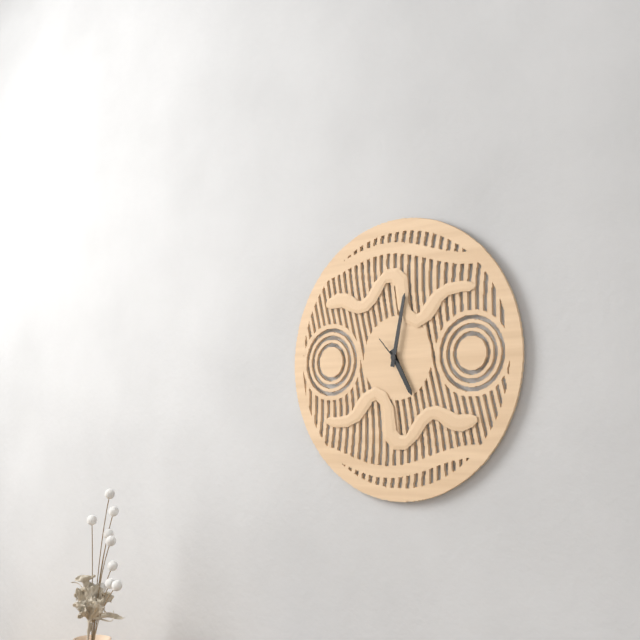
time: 5:02
